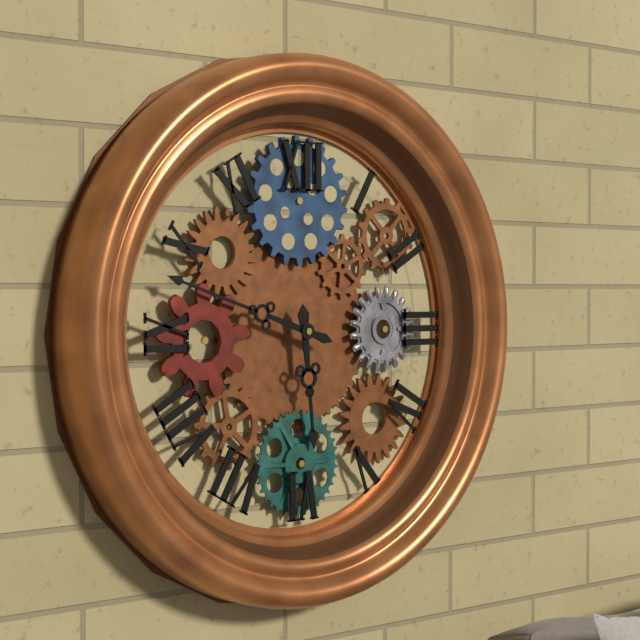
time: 5:48
